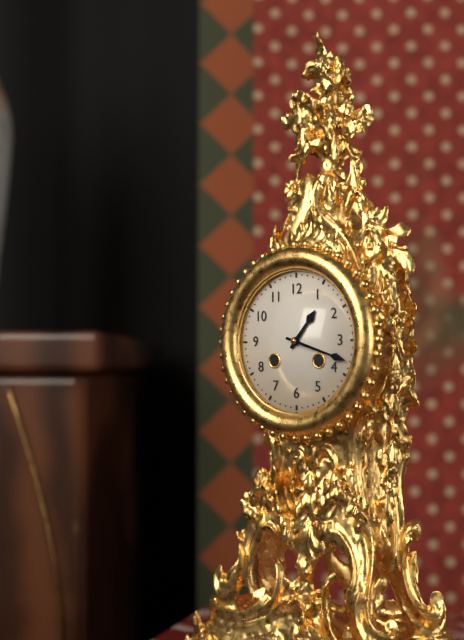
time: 1:18
